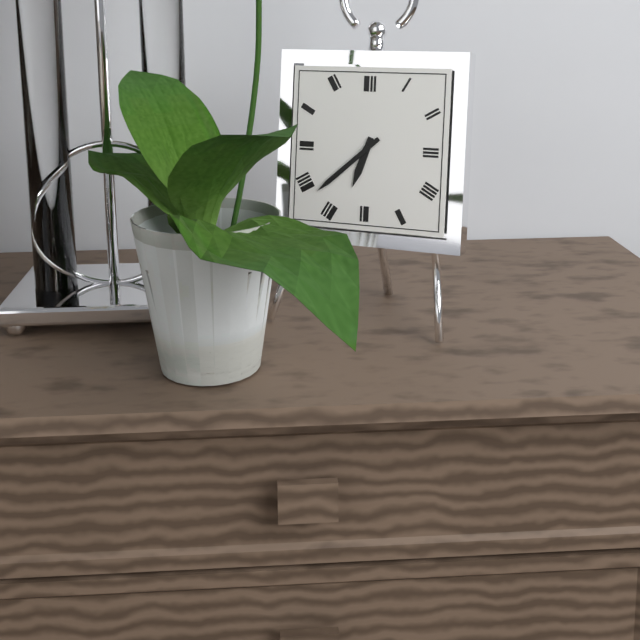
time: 6:38
